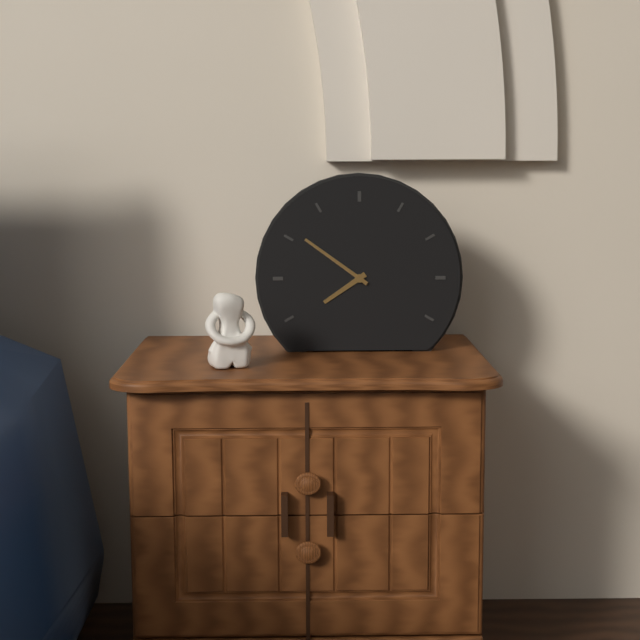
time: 7:51
